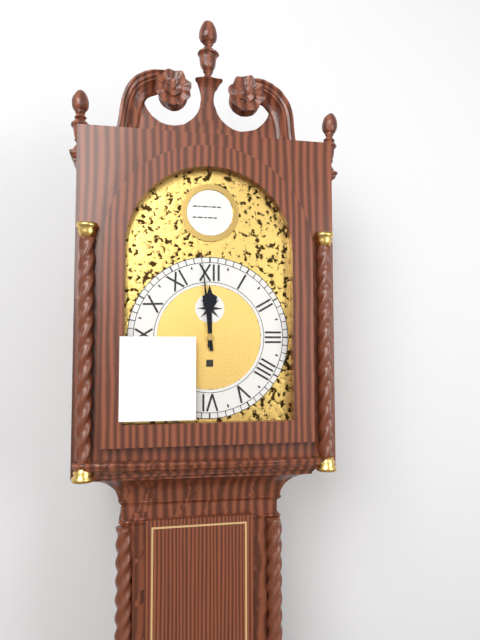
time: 11:59
